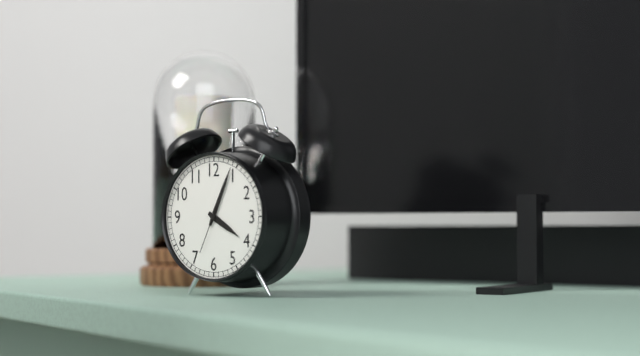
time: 4:04:34
